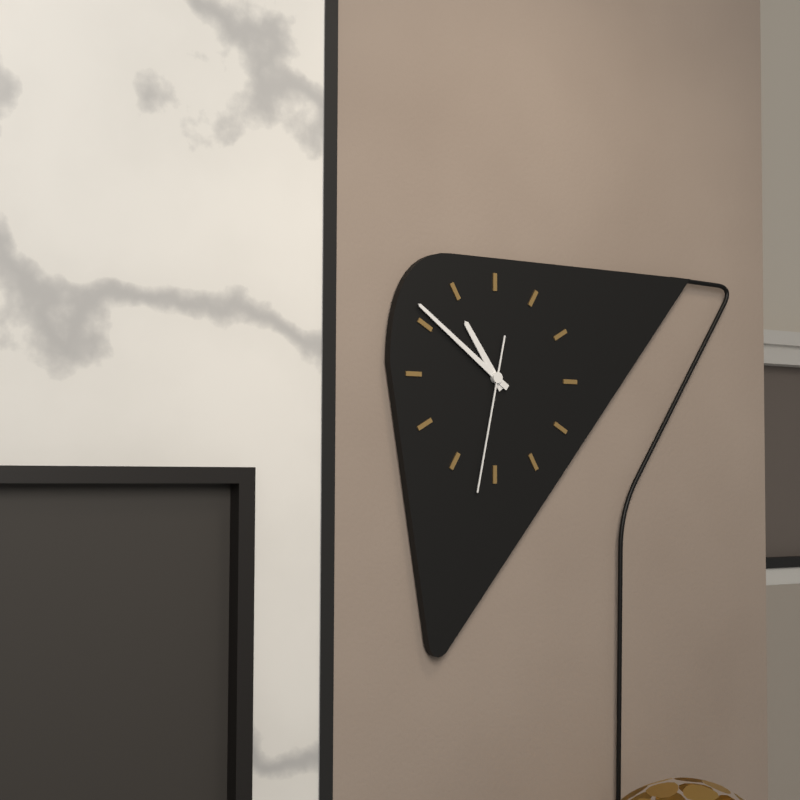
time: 10:51:32
